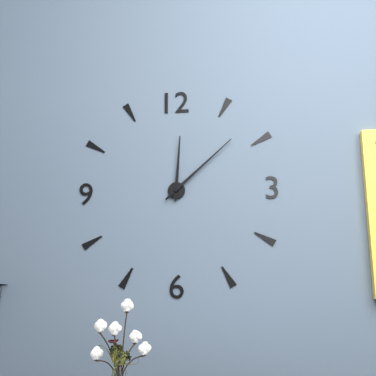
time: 12:08
